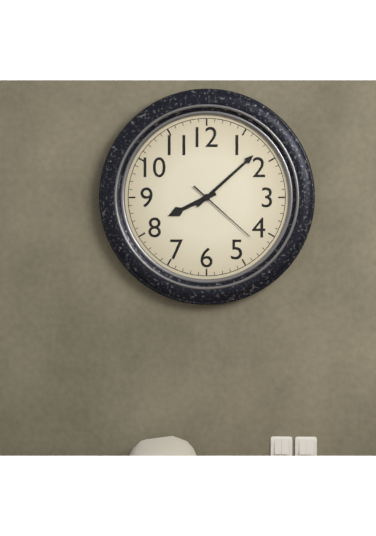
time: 8:08:22
